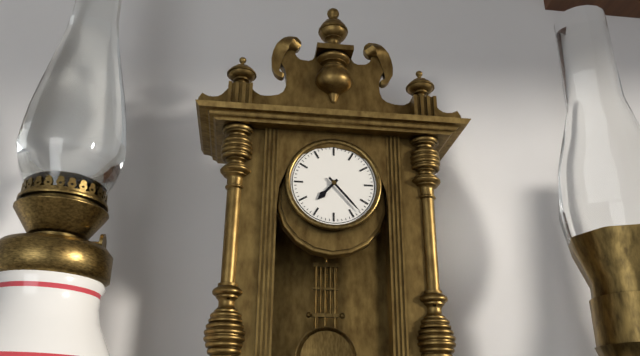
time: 7:23
